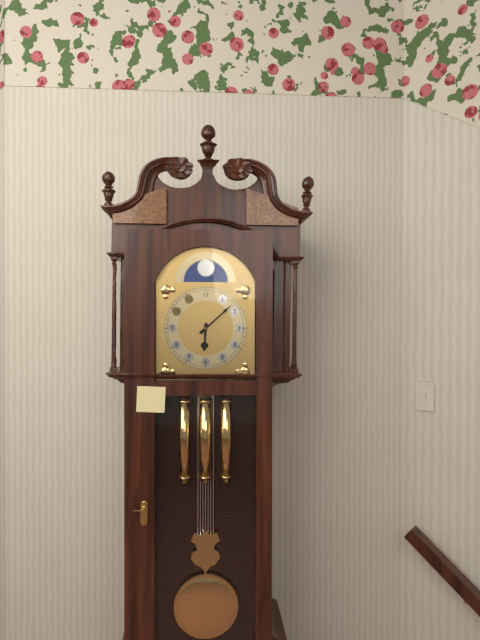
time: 6:08
